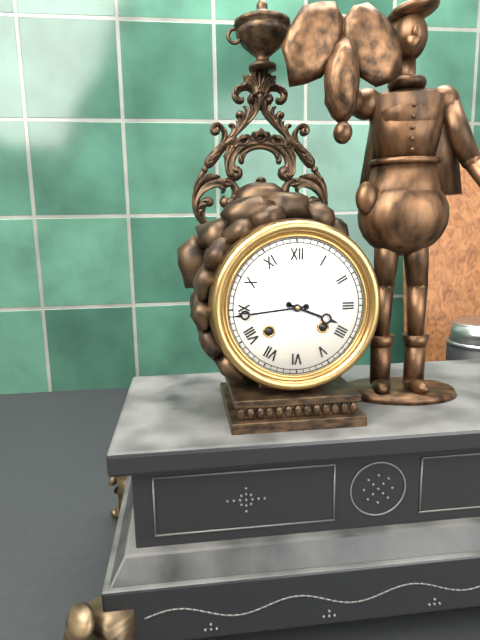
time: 3:44
